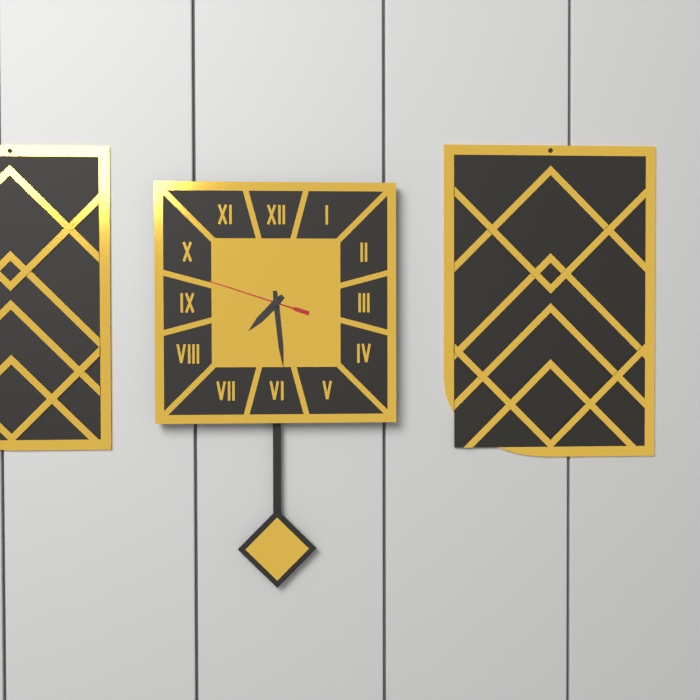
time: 7:29:48
